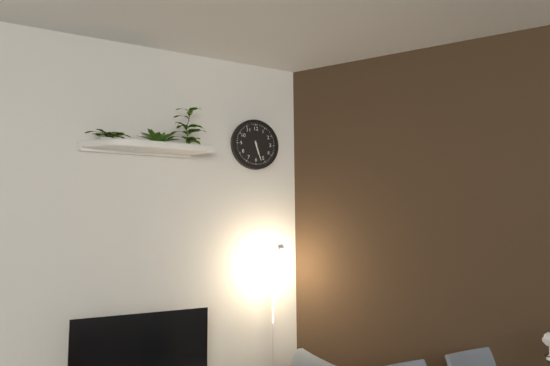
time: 5:27
